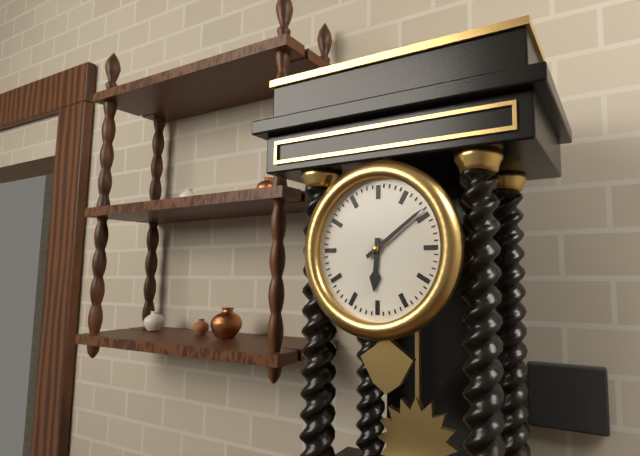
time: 6:09
